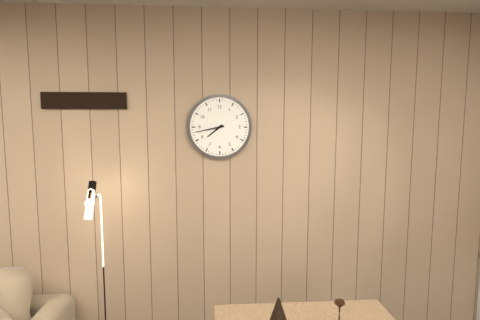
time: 7:43
